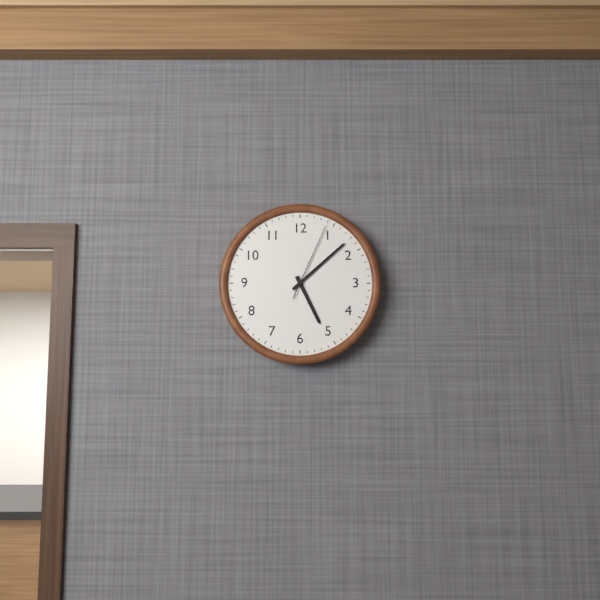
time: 5:08:04
